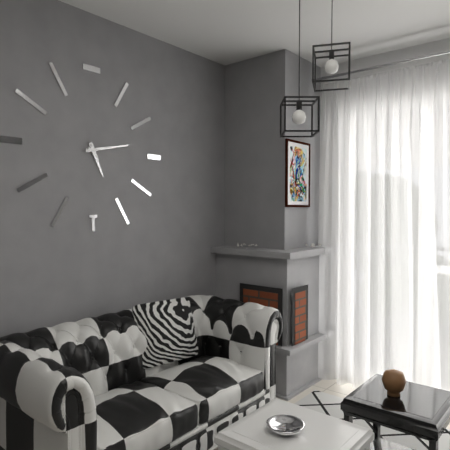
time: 5:13
